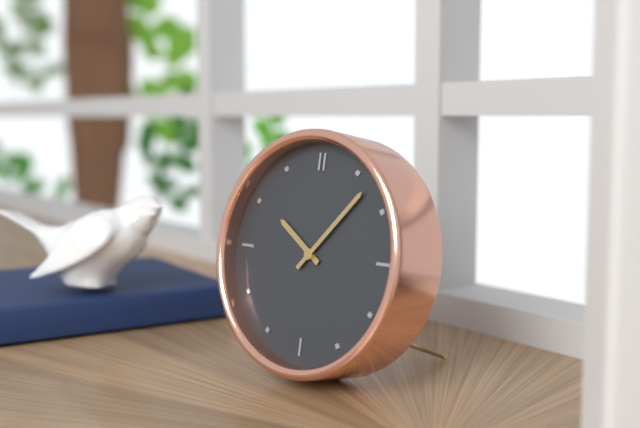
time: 10:07
